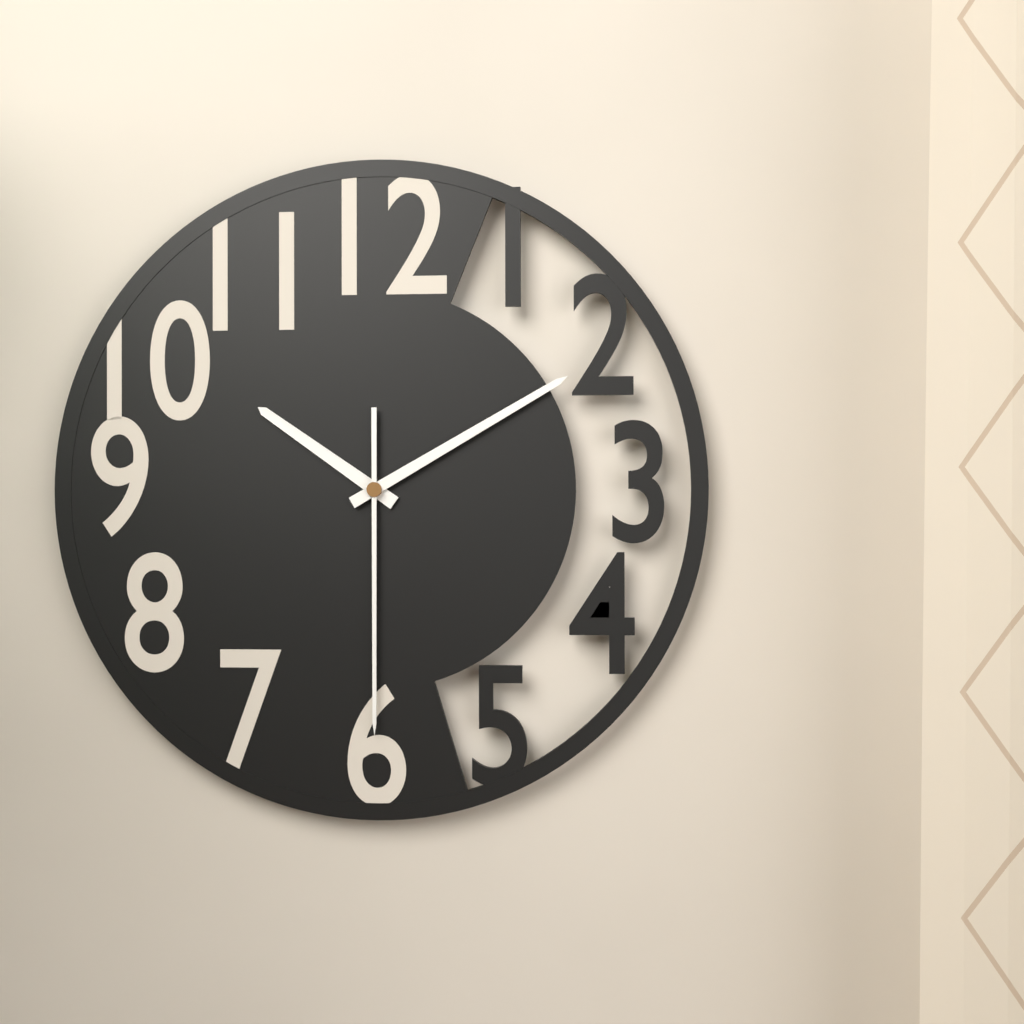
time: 10:10:30
